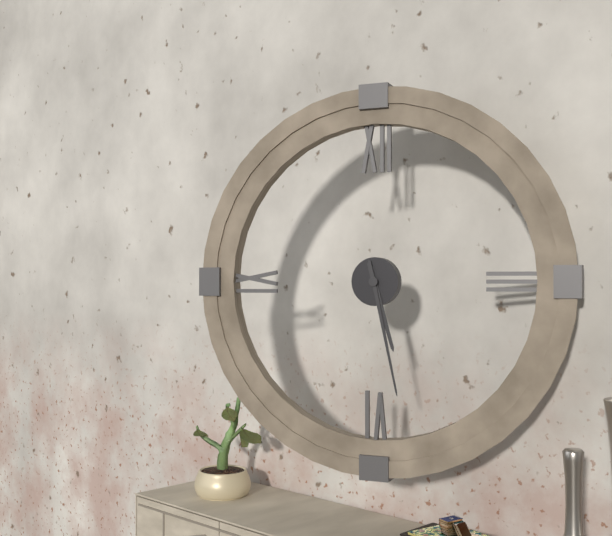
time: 5:28
